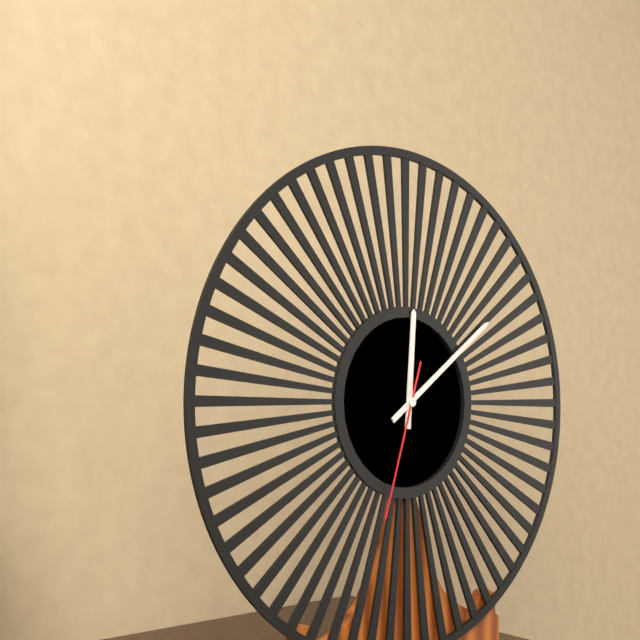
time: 12:09:33
